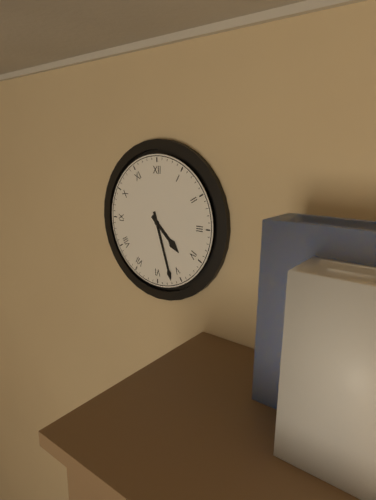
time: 4:27
